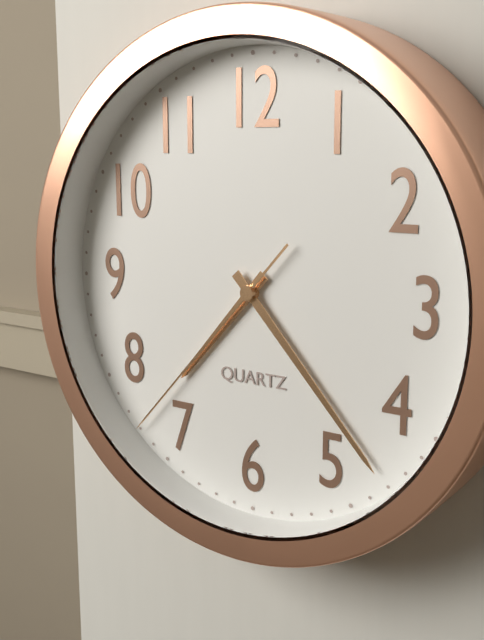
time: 7:23:37
